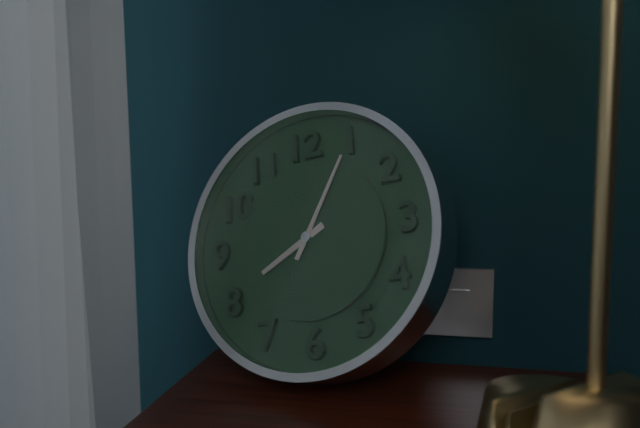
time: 8:05
